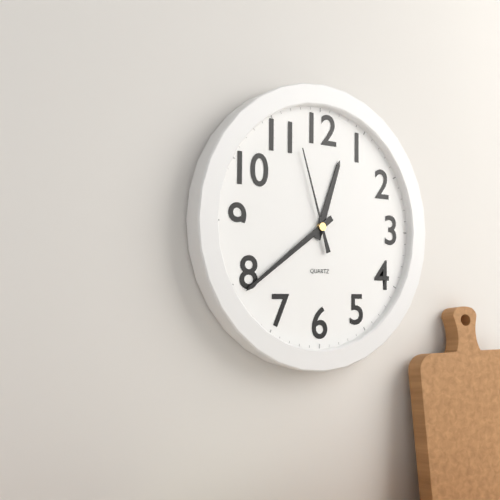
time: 12:39:57
